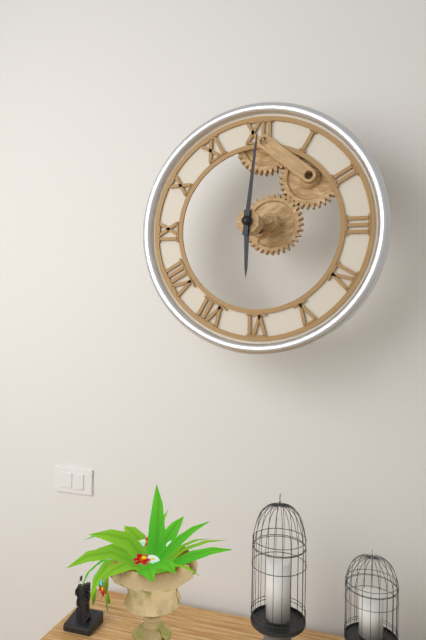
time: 6:01
